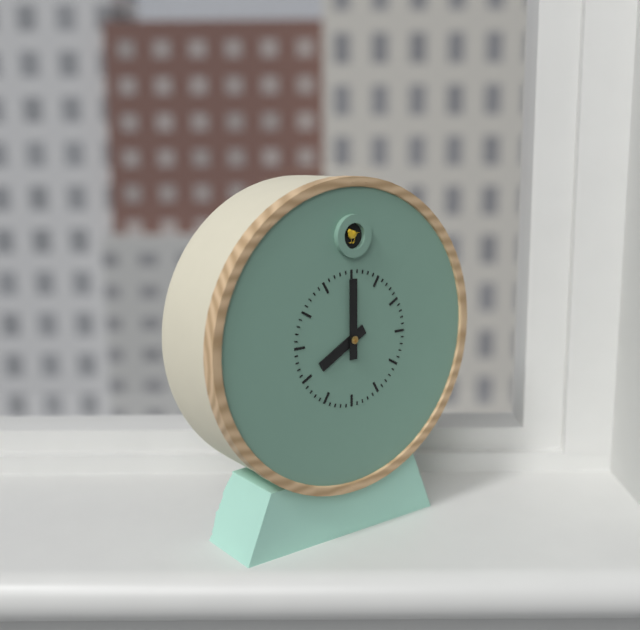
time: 8:00
